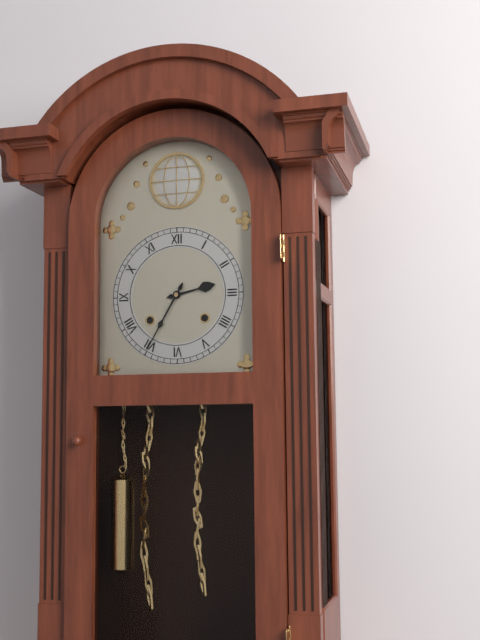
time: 2:35
